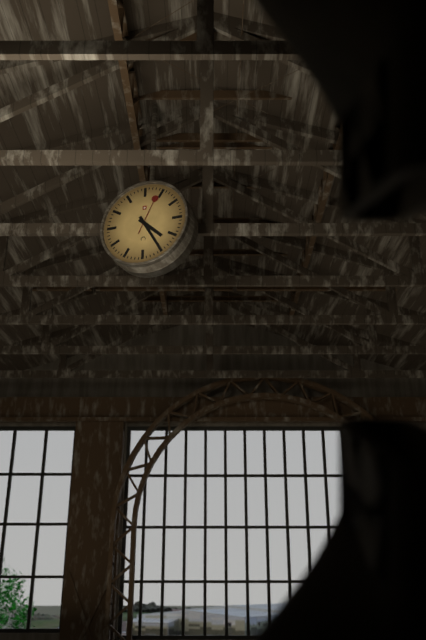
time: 4:25
